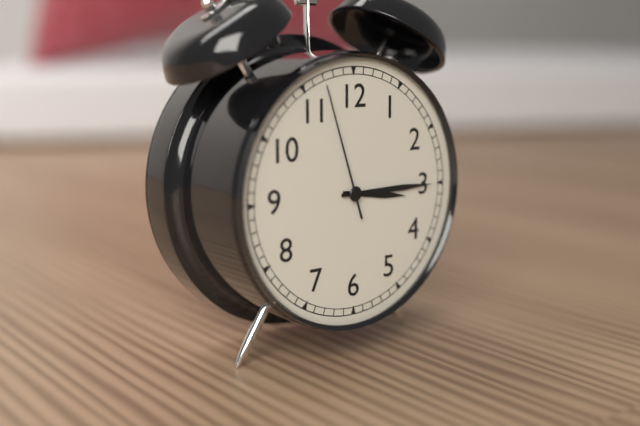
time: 3:15:57
